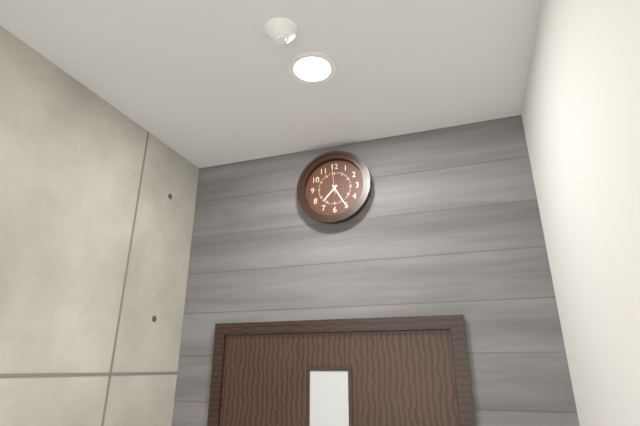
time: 7:25
